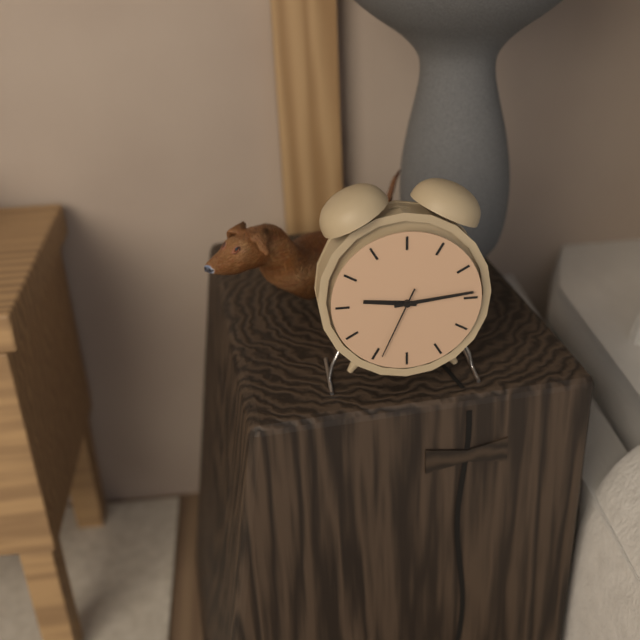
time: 9:14:34
